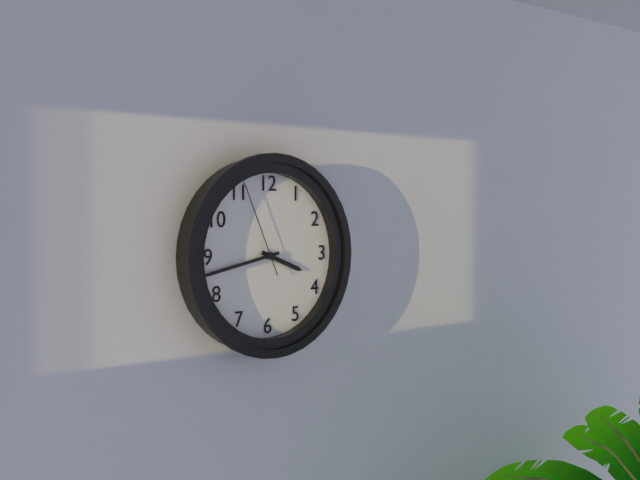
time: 3:43:56
